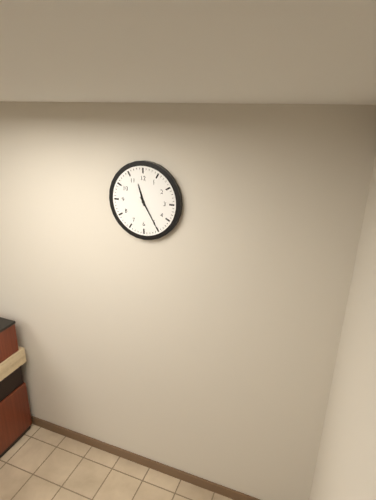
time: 11:25
